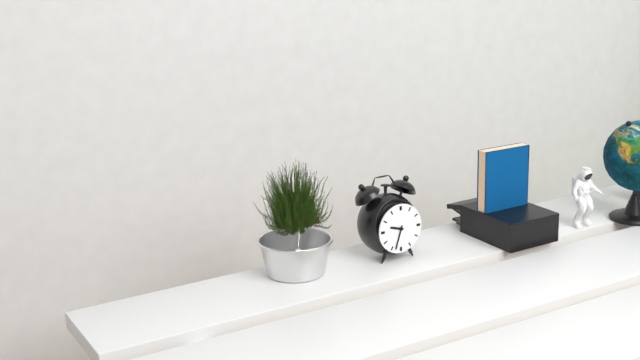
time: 9:33
